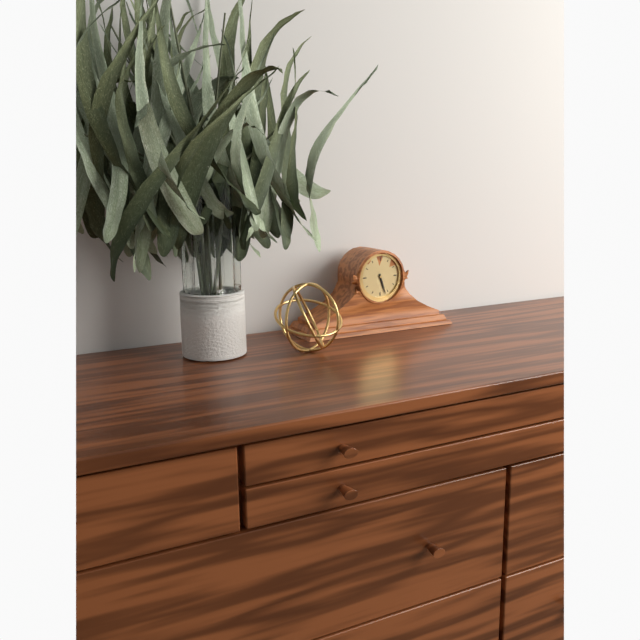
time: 5:27
